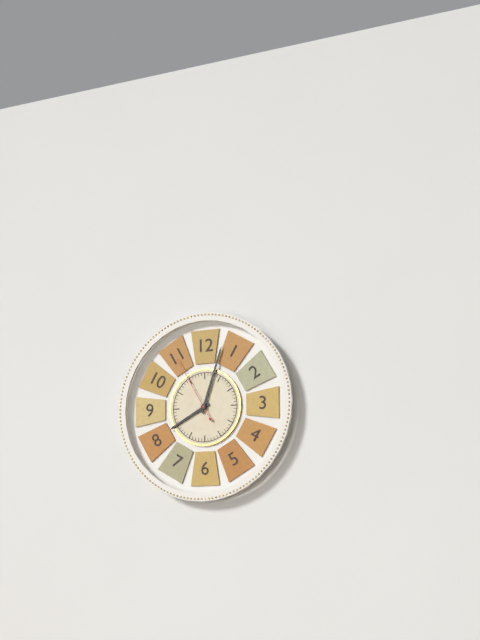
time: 8:03:55
